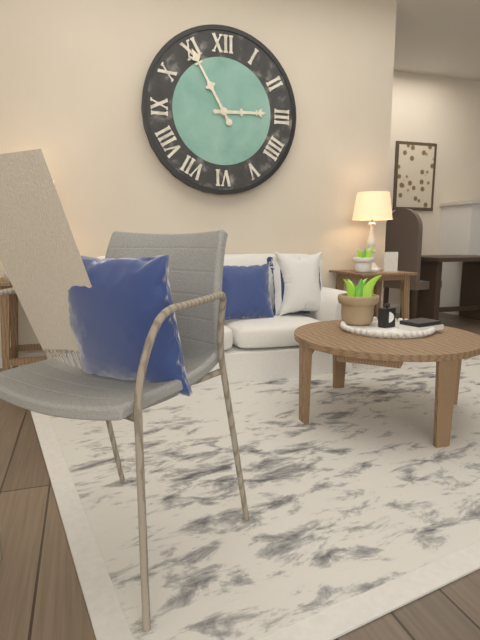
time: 2:55
